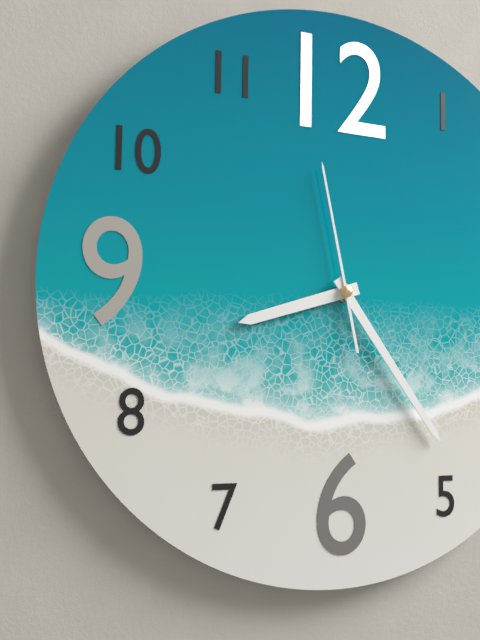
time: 8:24:58
